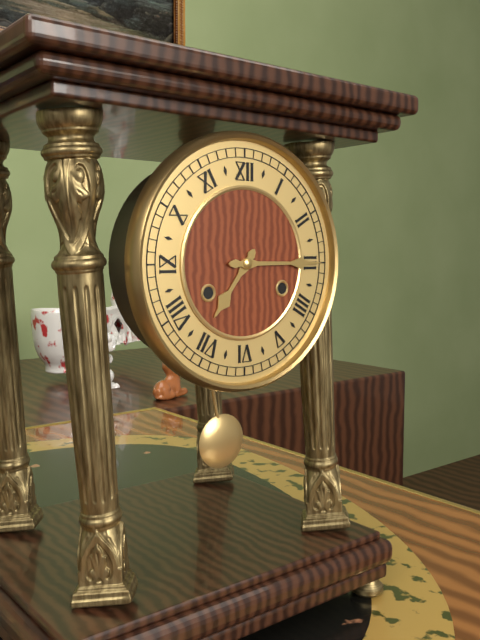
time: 7:15
